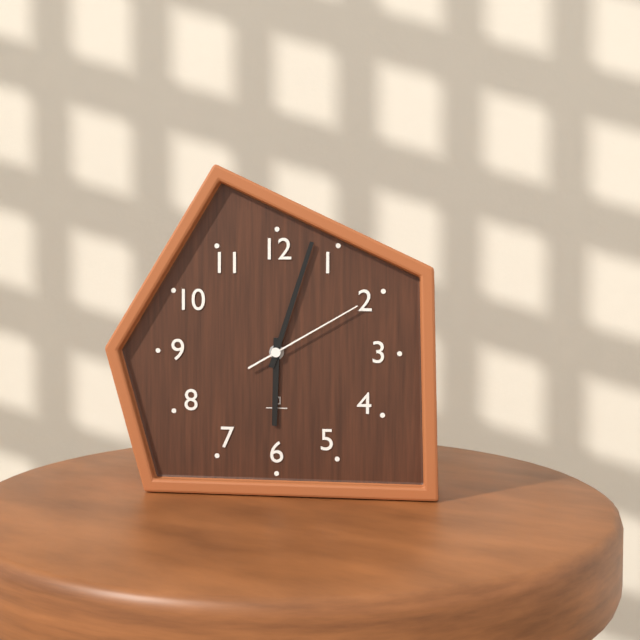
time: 6:03:10
